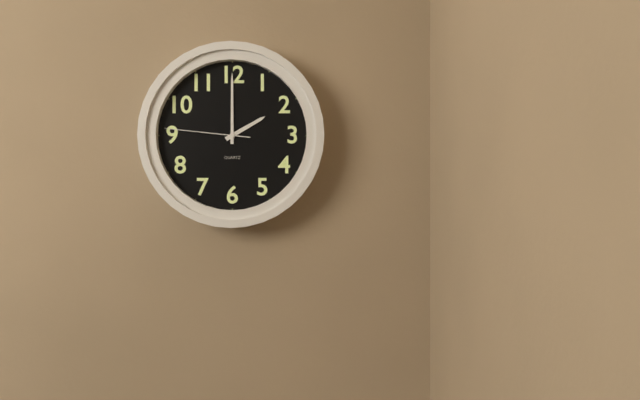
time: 2:00:46
